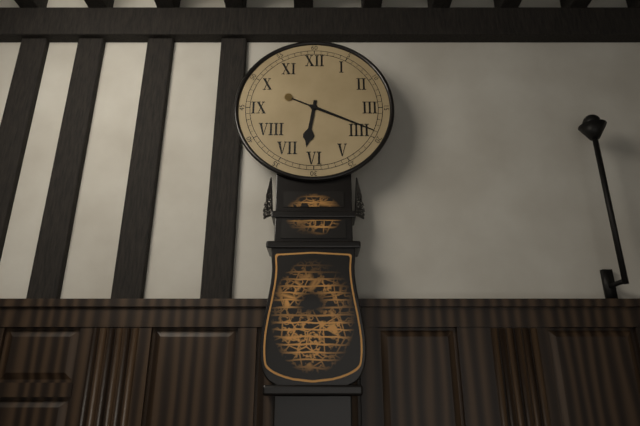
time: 6:19
